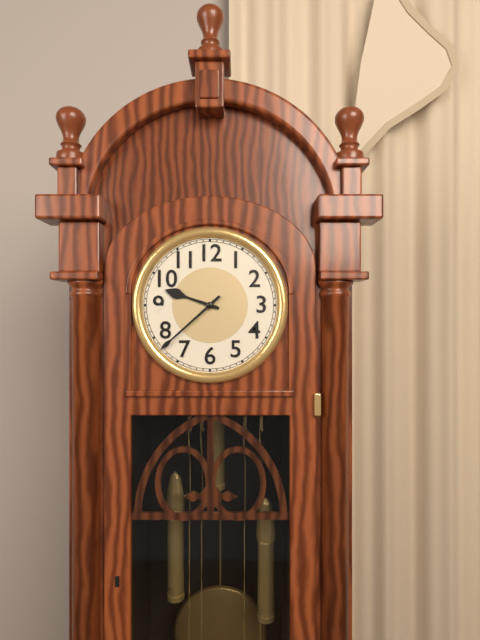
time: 9:38
